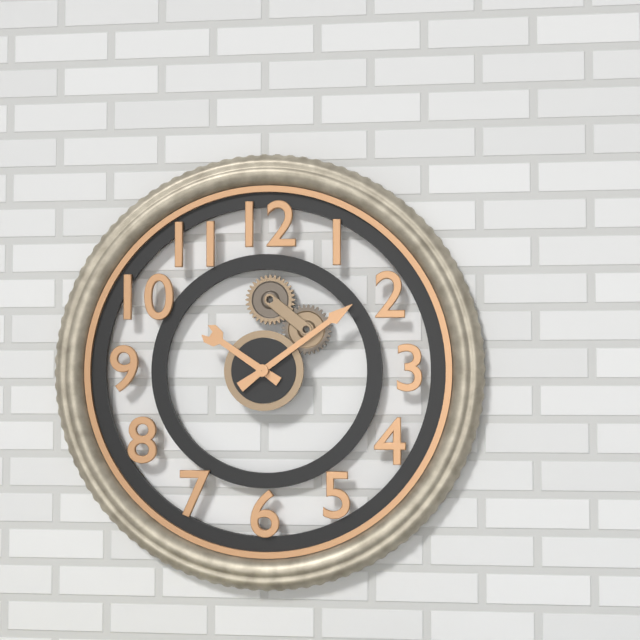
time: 10:09
